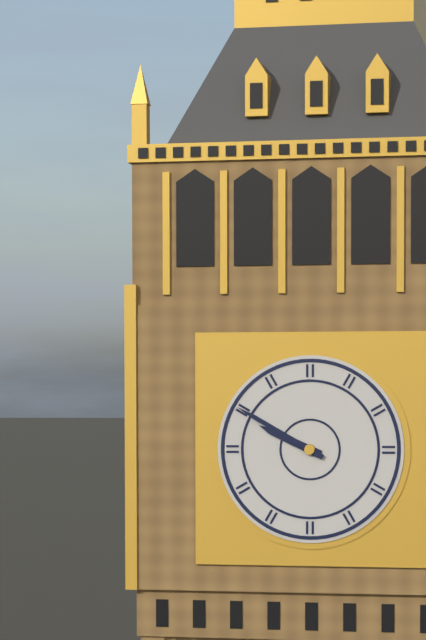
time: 9:50
